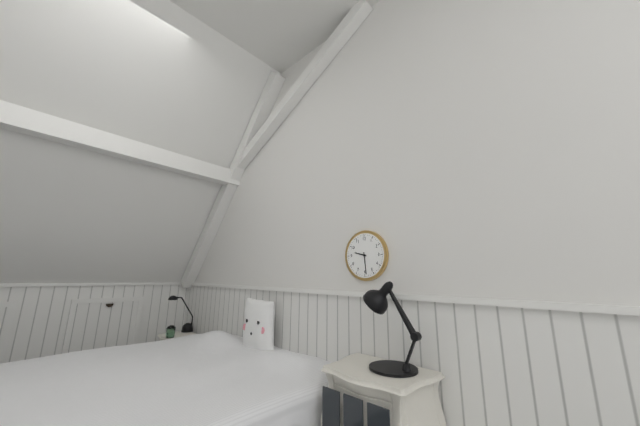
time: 9:29
